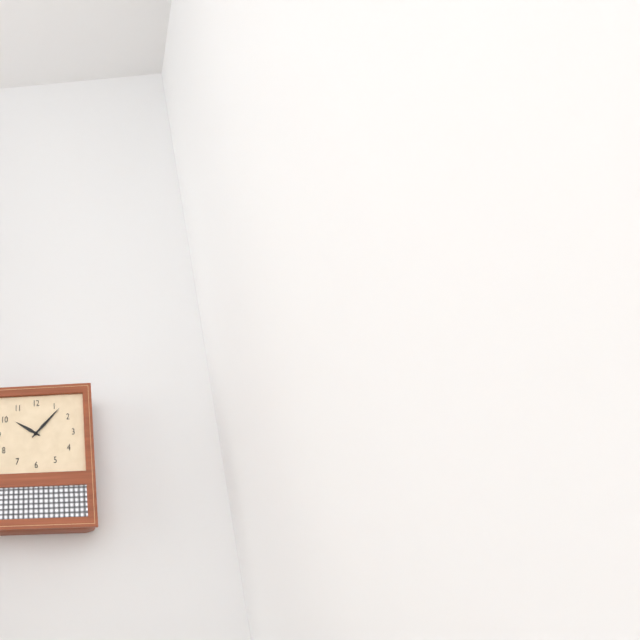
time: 10:07
